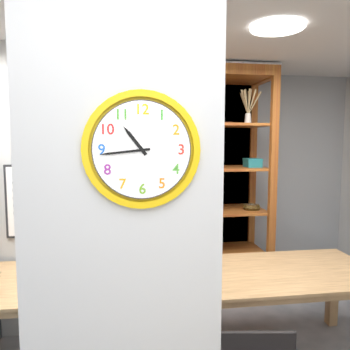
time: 10:44
